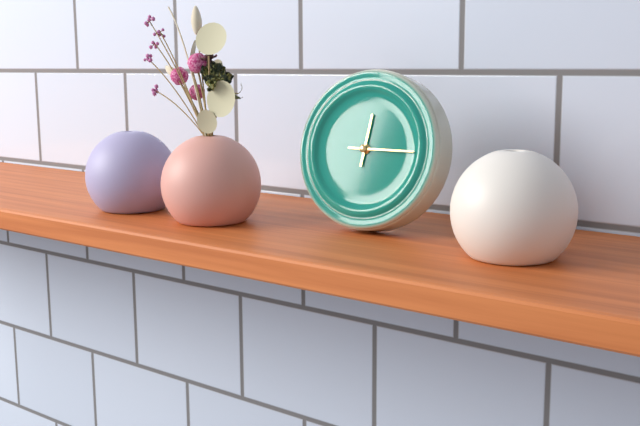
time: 12:15
